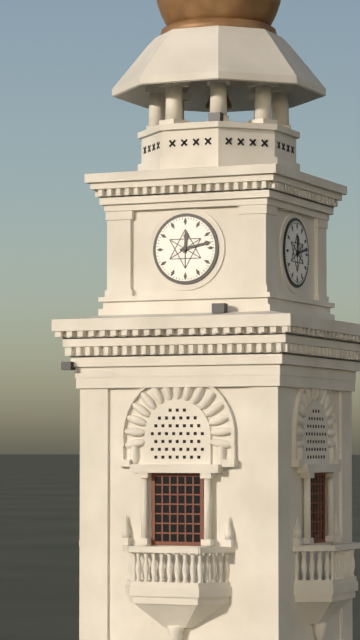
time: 12:13
